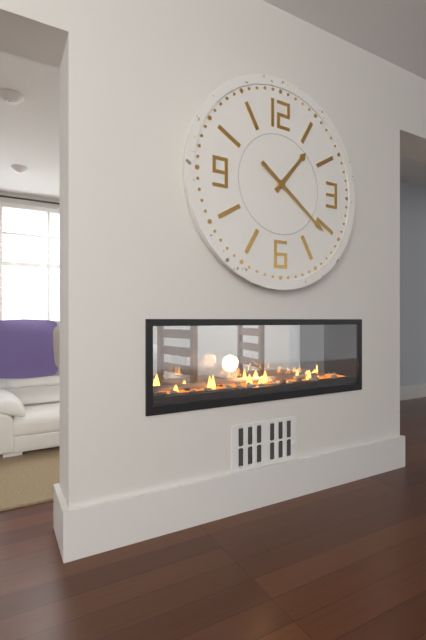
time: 1:21
